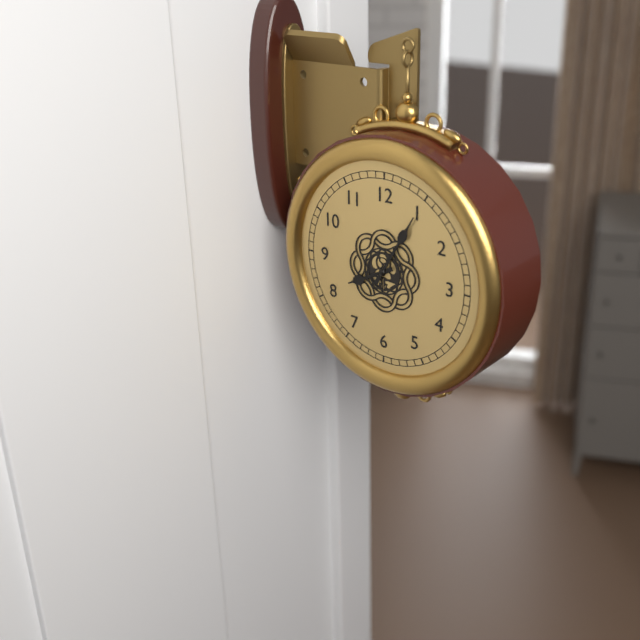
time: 8:05
